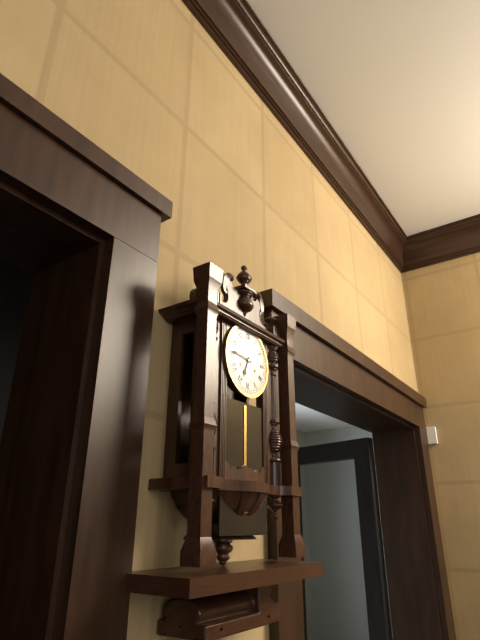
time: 6:46
